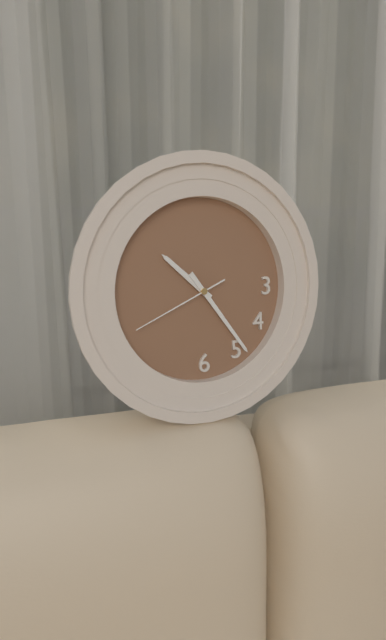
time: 10:24:41
